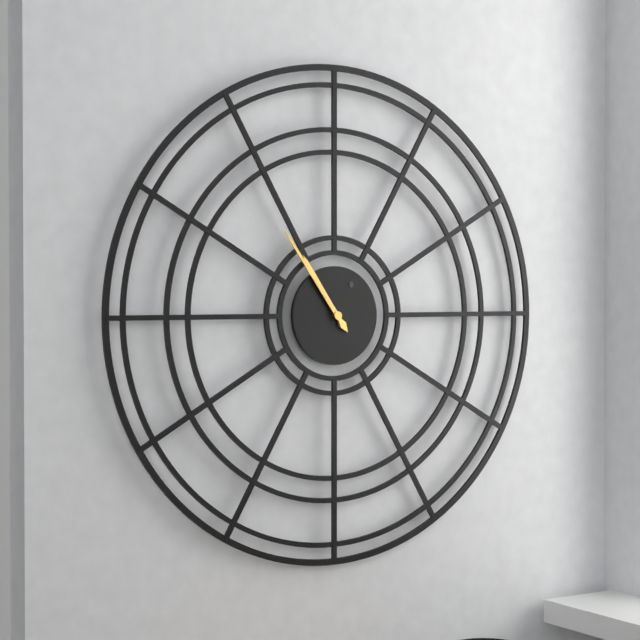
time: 10:54
